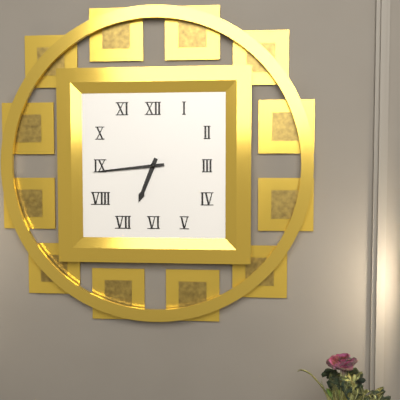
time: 6:44
